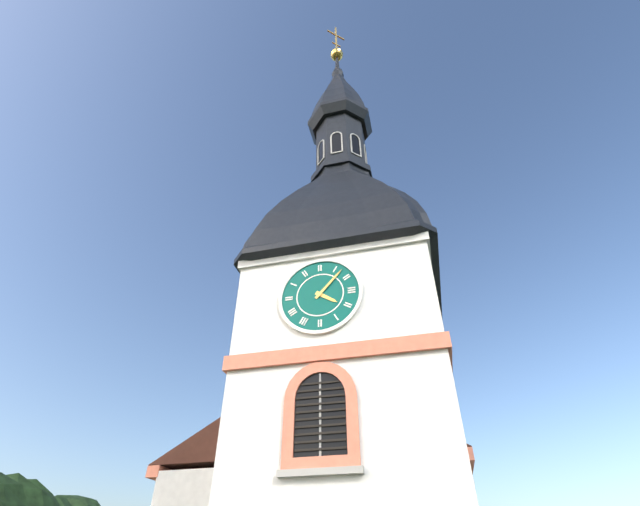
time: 4:07
